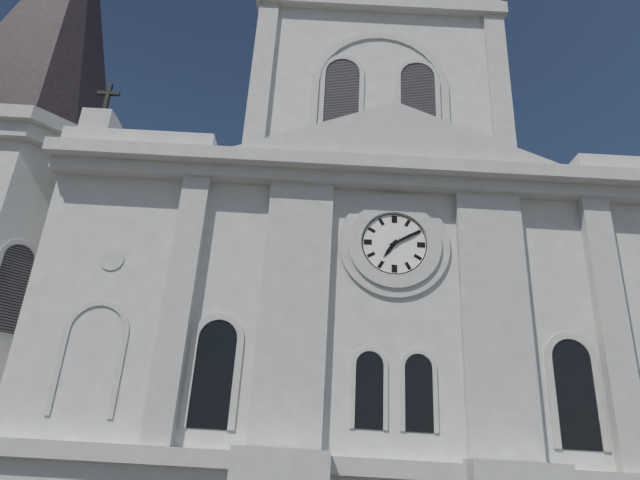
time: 7:10
